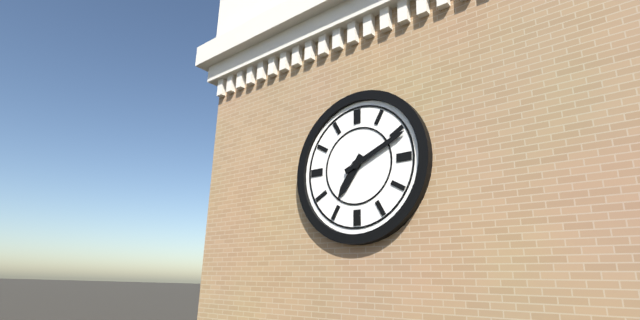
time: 7:11
